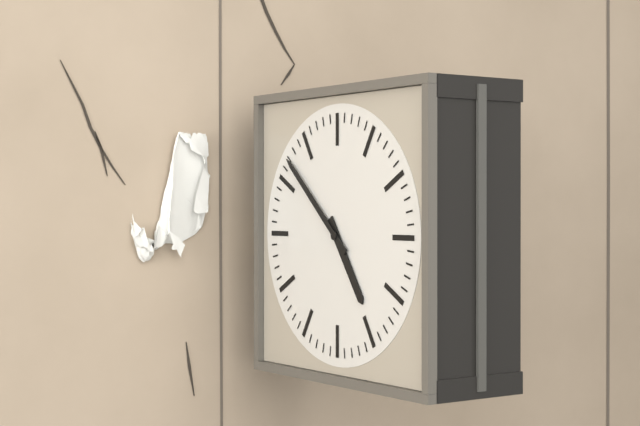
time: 4:52
